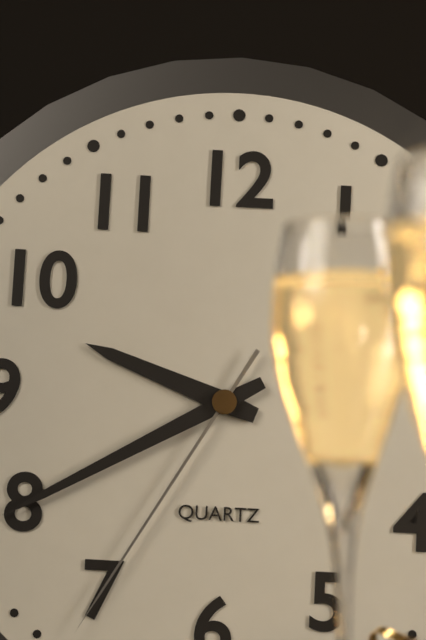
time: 9:40:35
